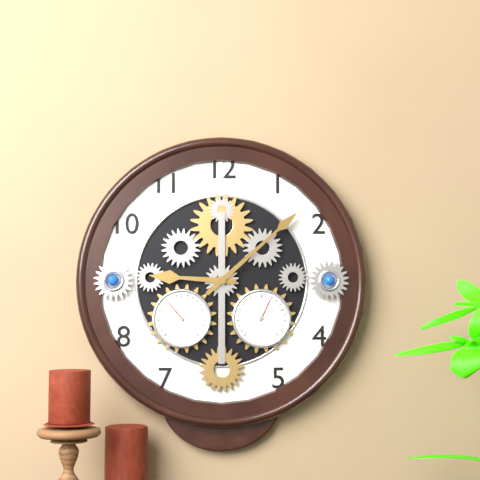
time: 9:08
